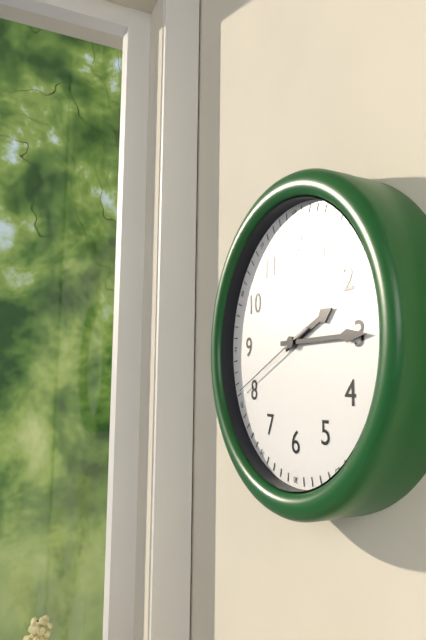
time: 2:15:41
